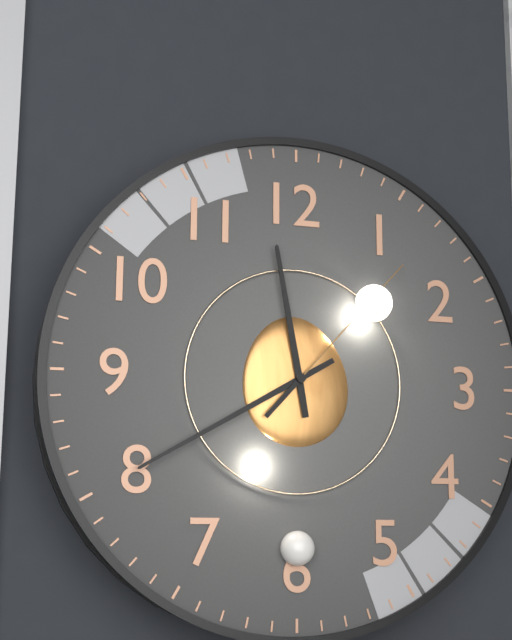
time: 11:40:07
